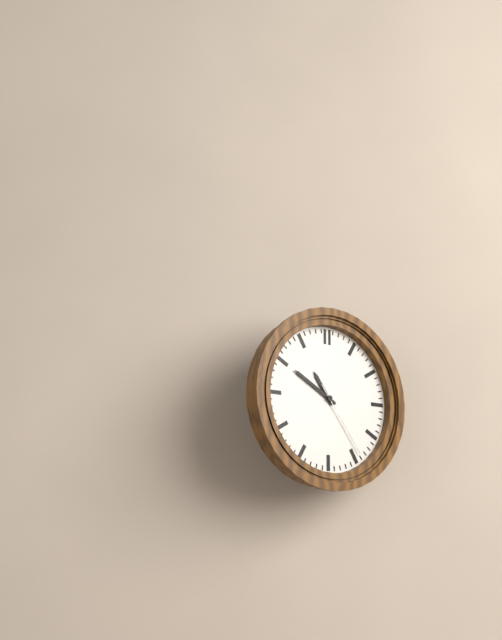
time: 10:50:24
